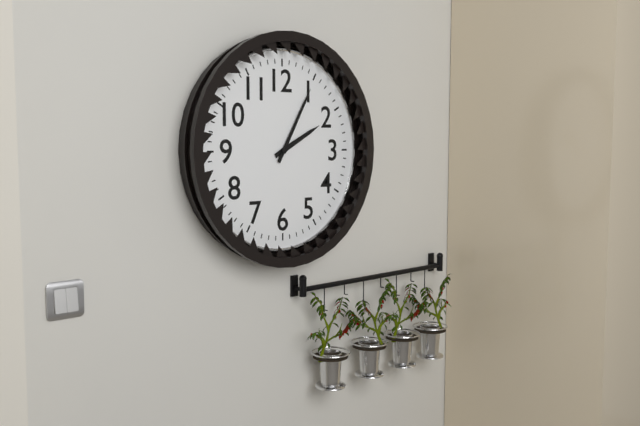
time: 2:05
